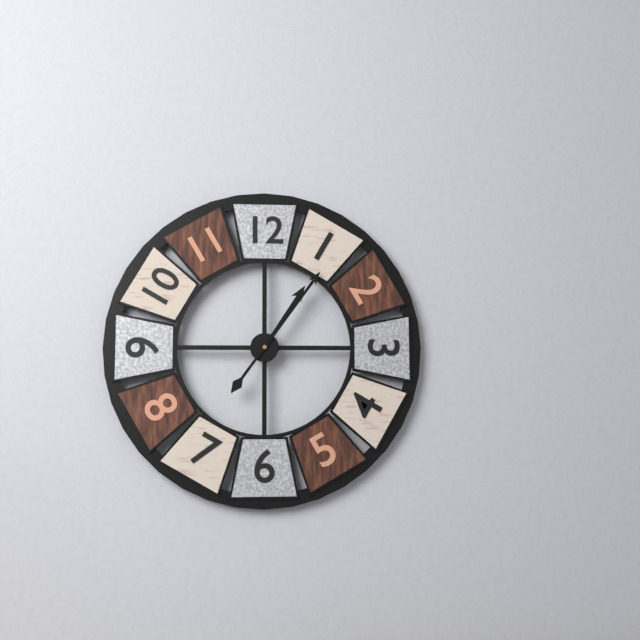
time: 1:06
